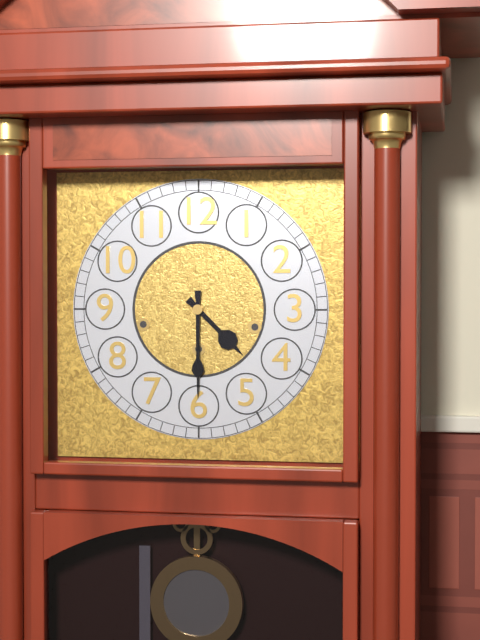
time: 4:30
